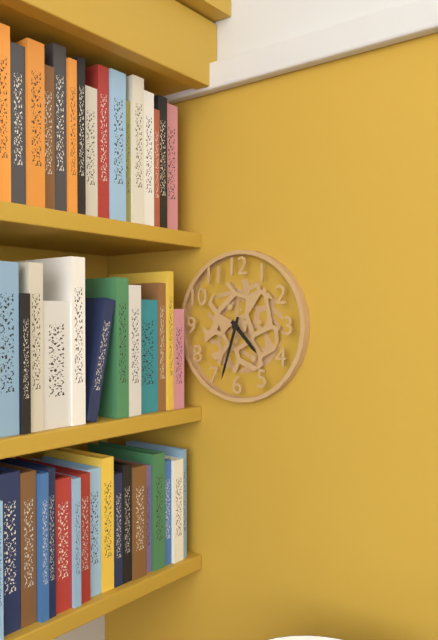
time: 4:33
